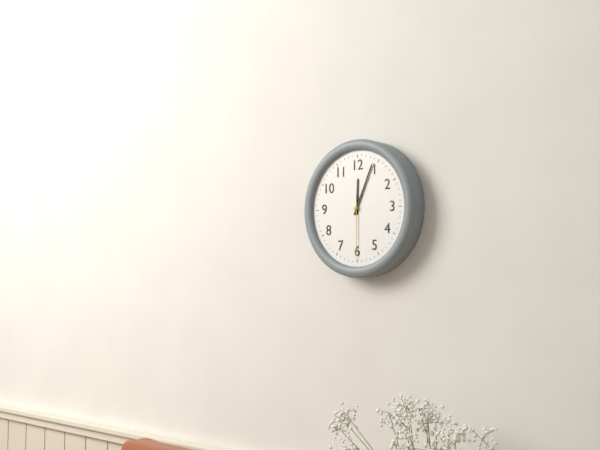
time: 12:04:30
